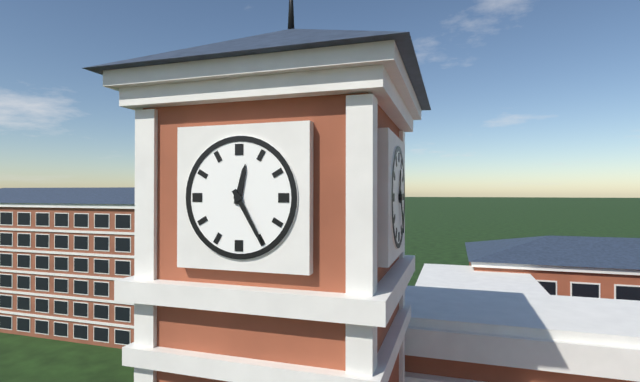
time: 12:25
